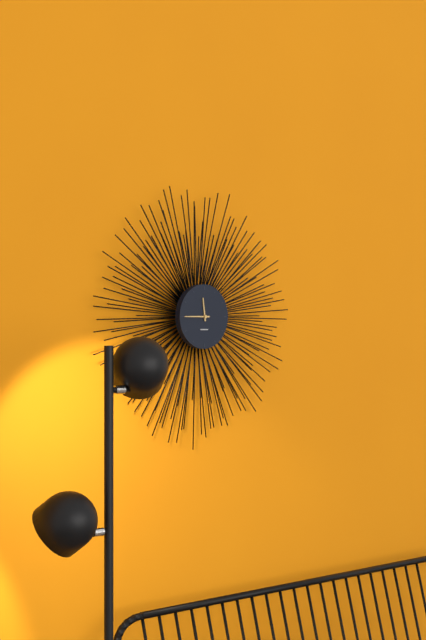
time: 11:45
